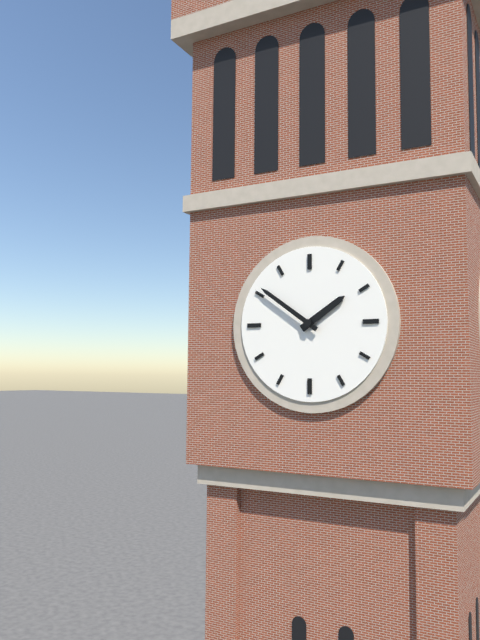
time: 1:51
